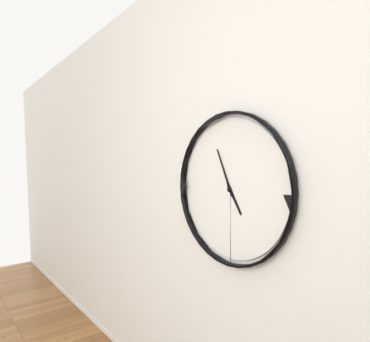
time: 4:56
